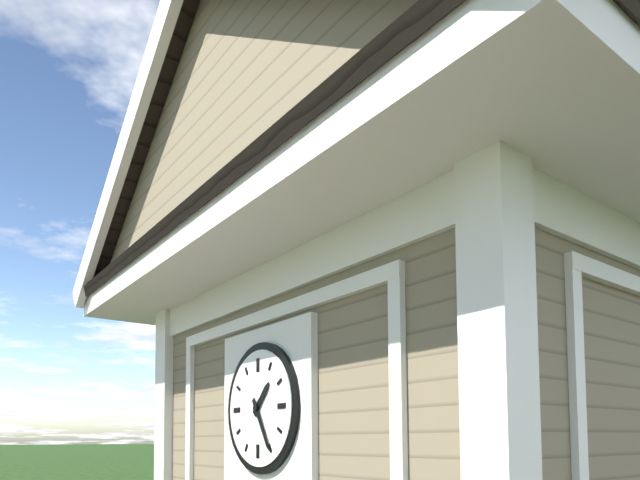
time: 1:25
